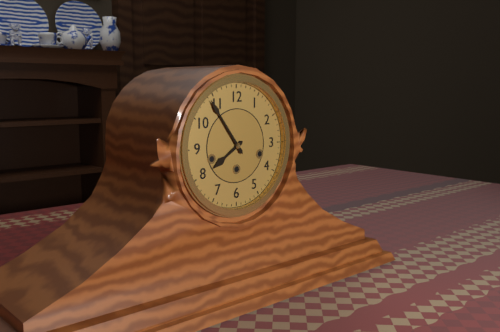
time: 7:54
